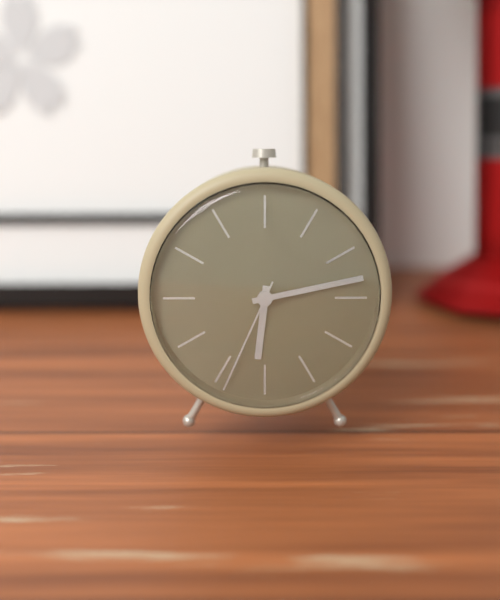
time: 6:13:34
